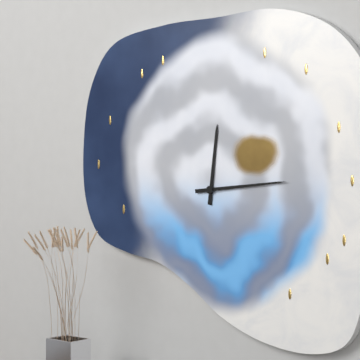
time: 12:14
